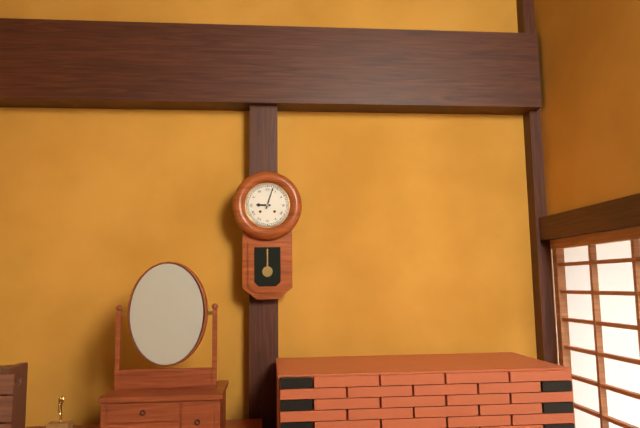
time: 9:03
